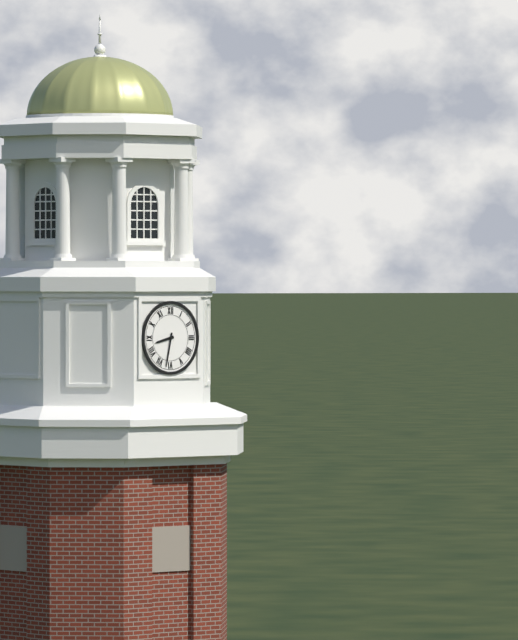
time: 8:32
